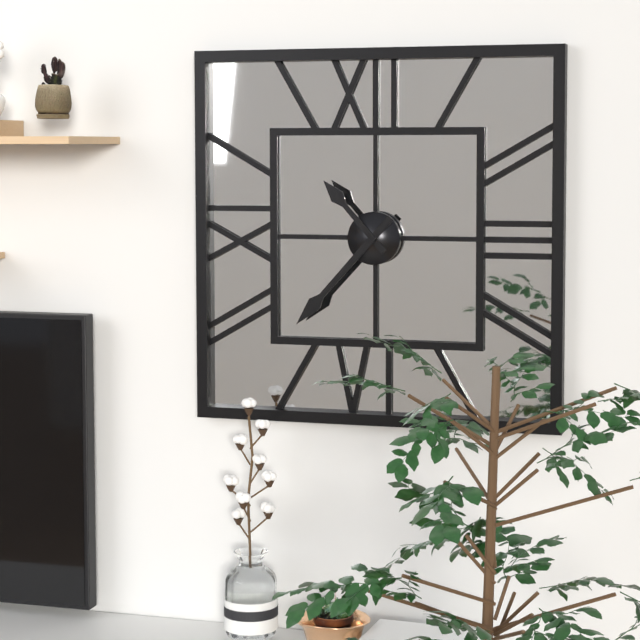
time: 10:37
